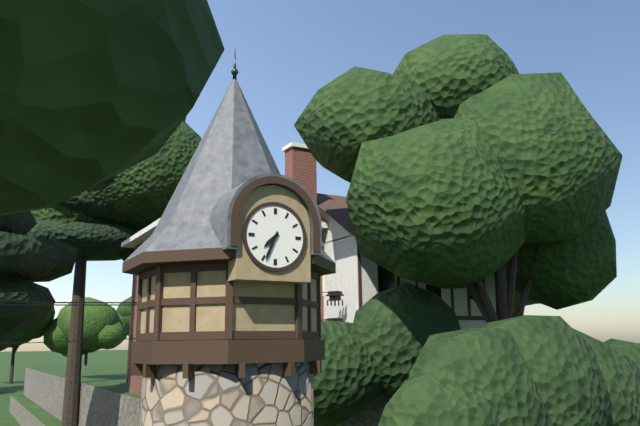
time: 7:34
